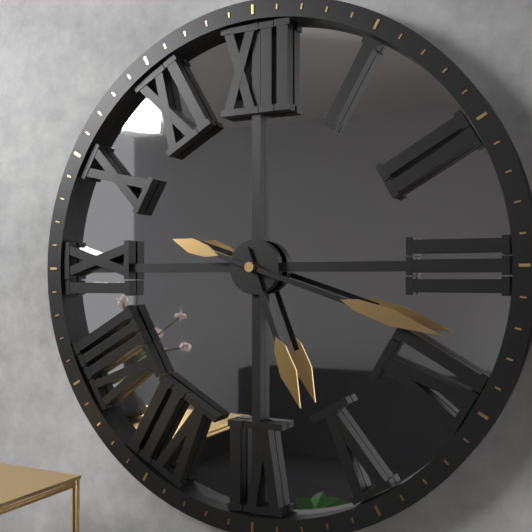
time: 5:18
